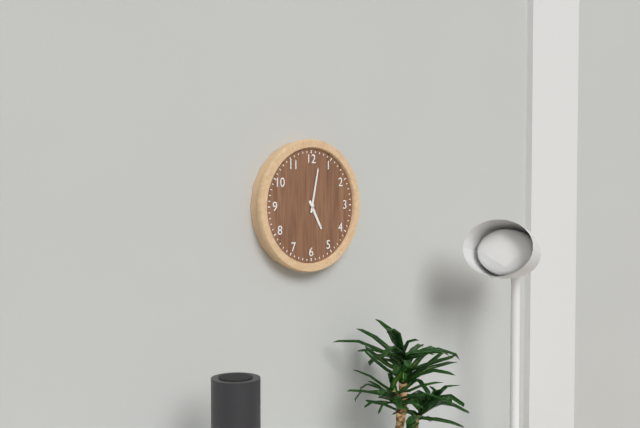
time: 5:02
